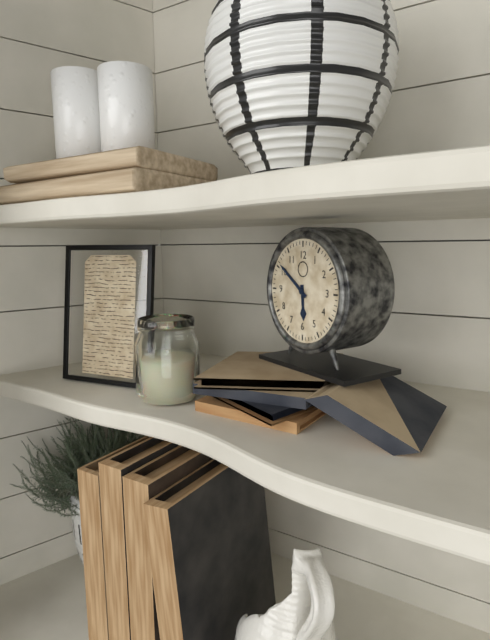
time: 5:51
